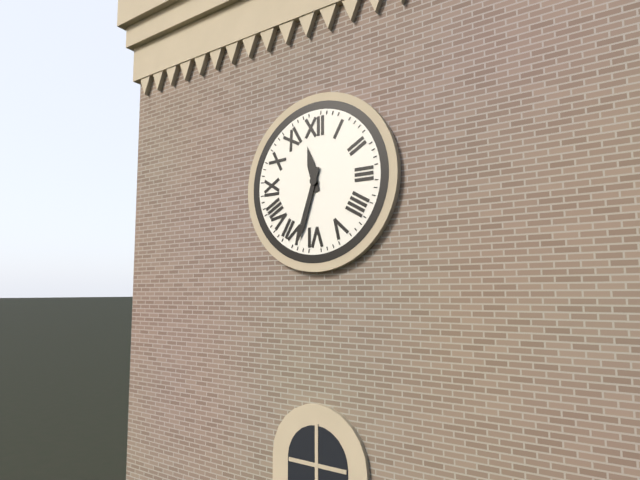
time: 11:33
